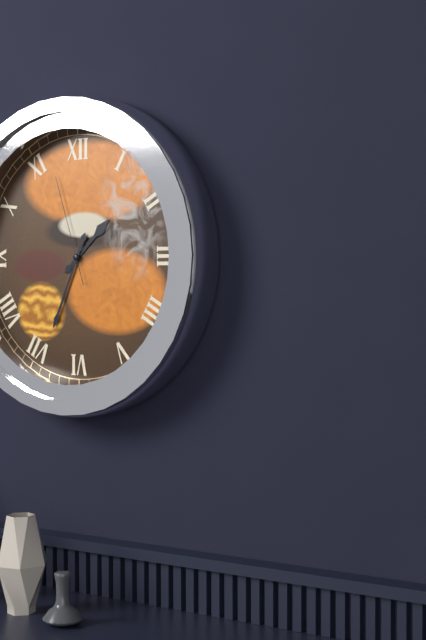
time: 1:34:57
